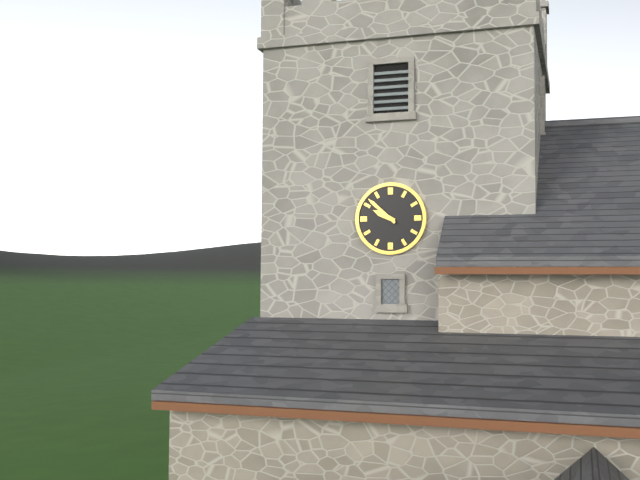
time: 9:52
